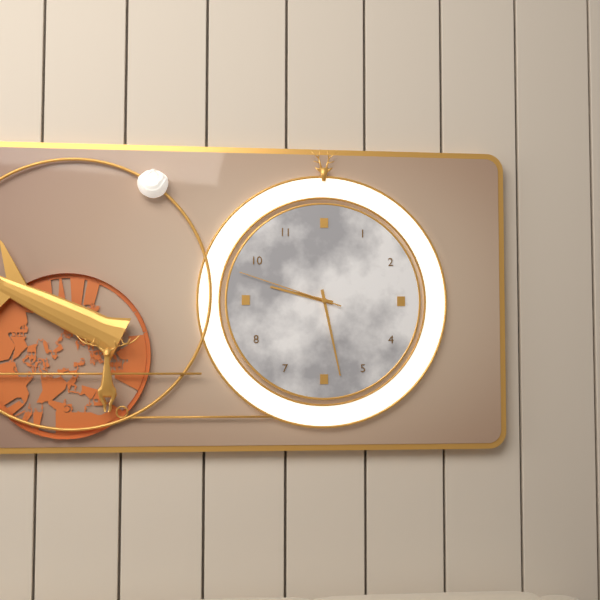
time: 9:28:48
